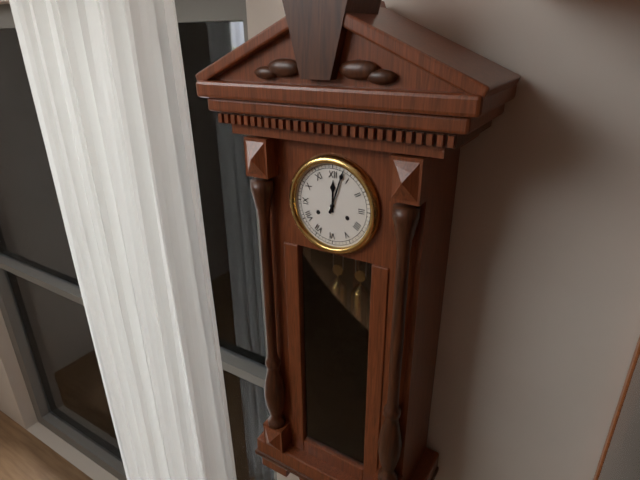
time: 12:03
